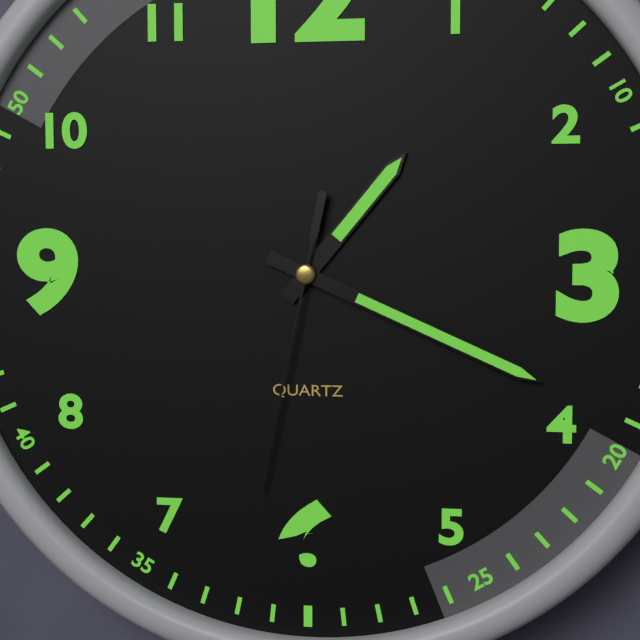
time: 1:19:32
